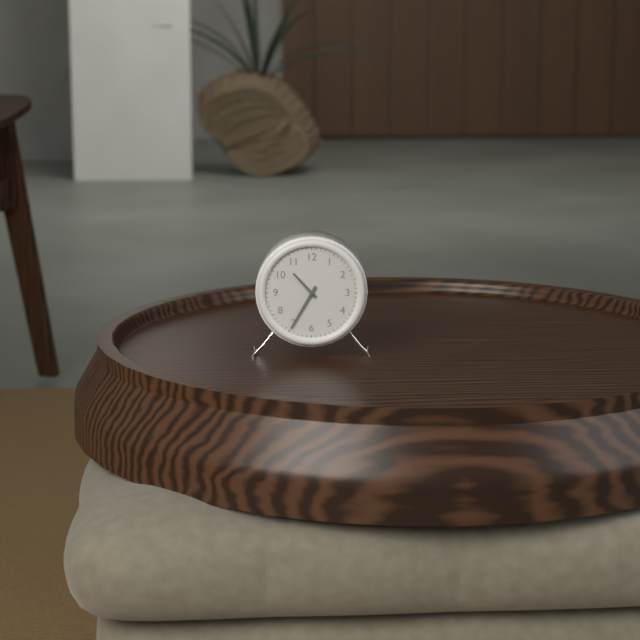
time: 10:35
